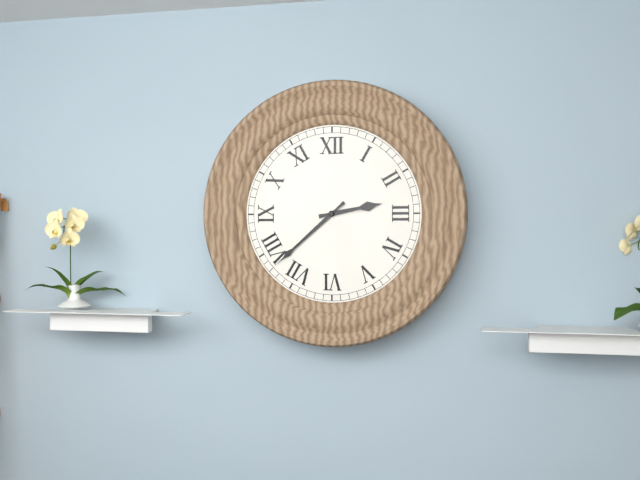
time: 2:38
